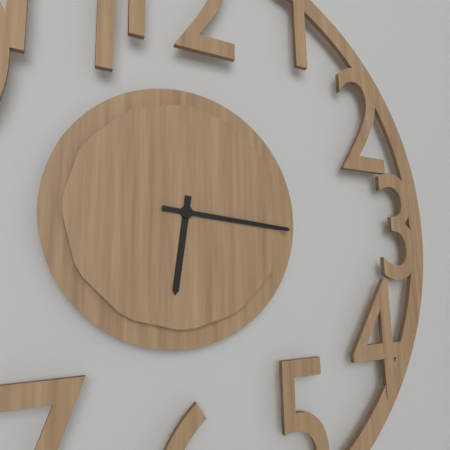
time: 6:16
